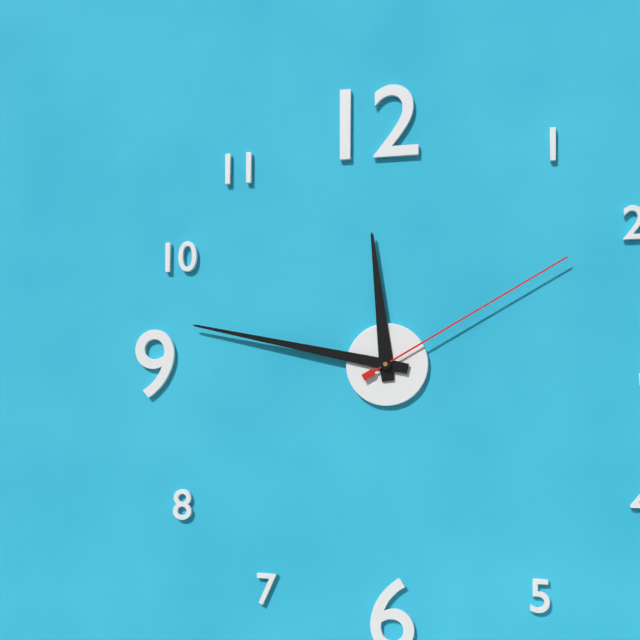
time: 11:47:10
